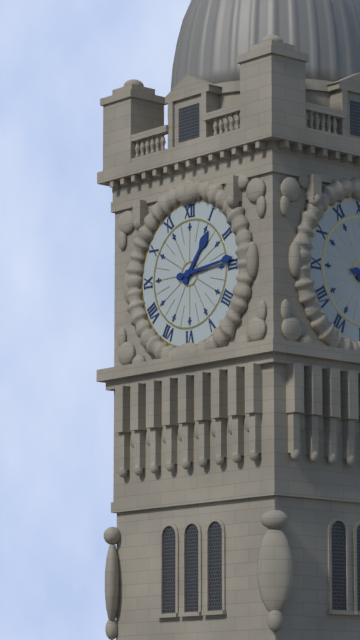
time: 1:14
